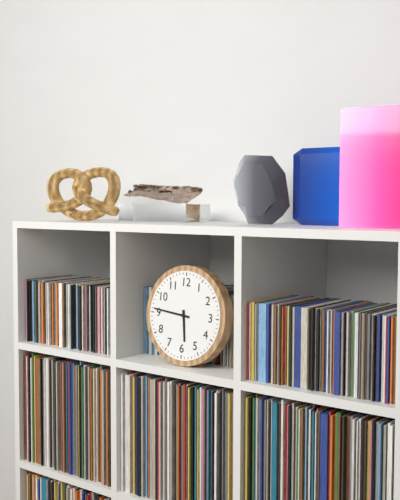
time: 5:46
